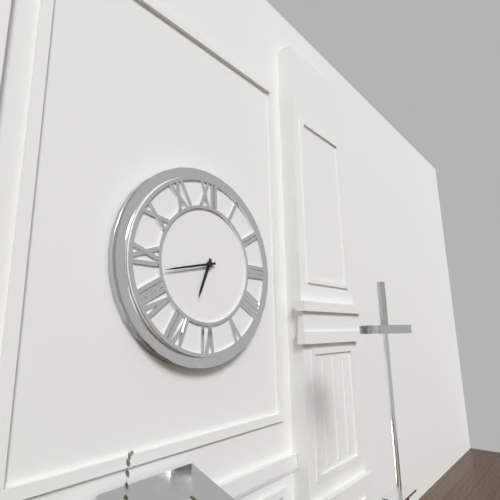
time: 6:43
